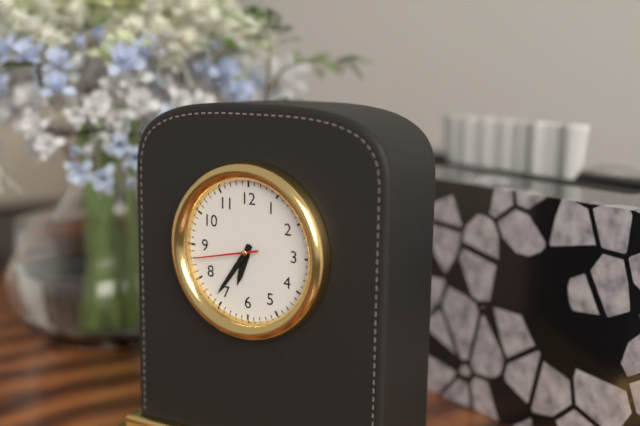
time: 6:36:43
